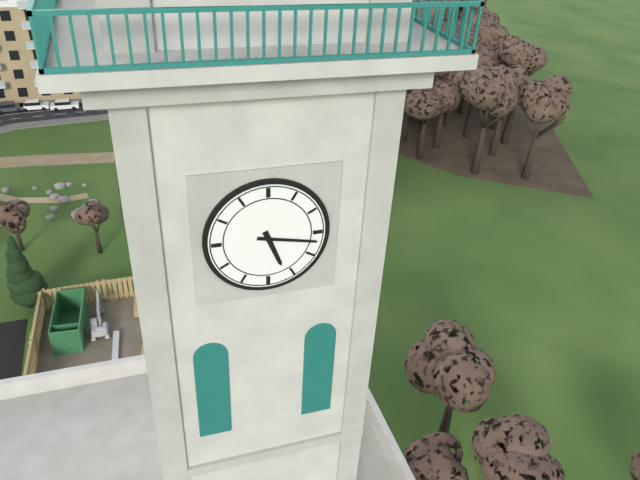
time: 5:17
